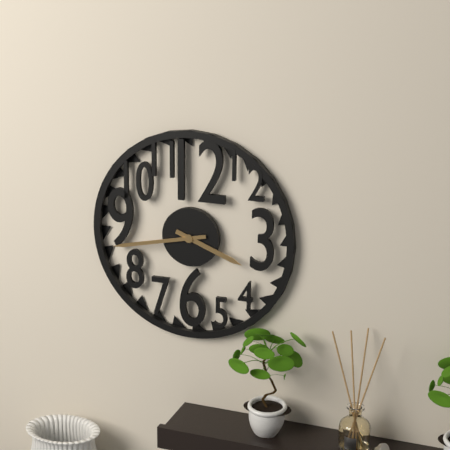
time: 3:43
